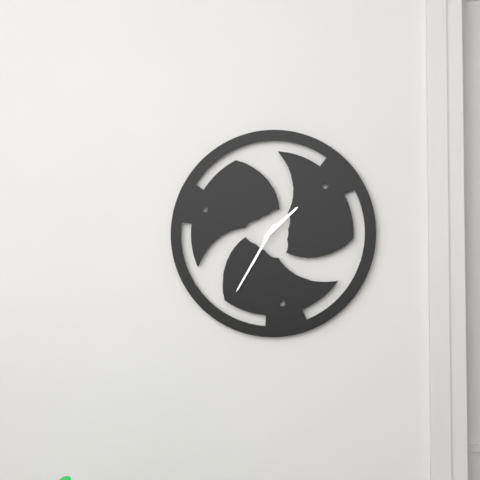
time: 1:35
